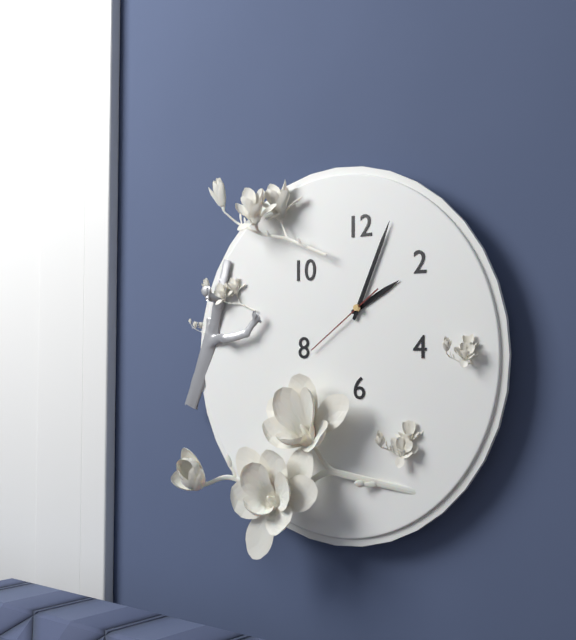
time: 2:04:39
